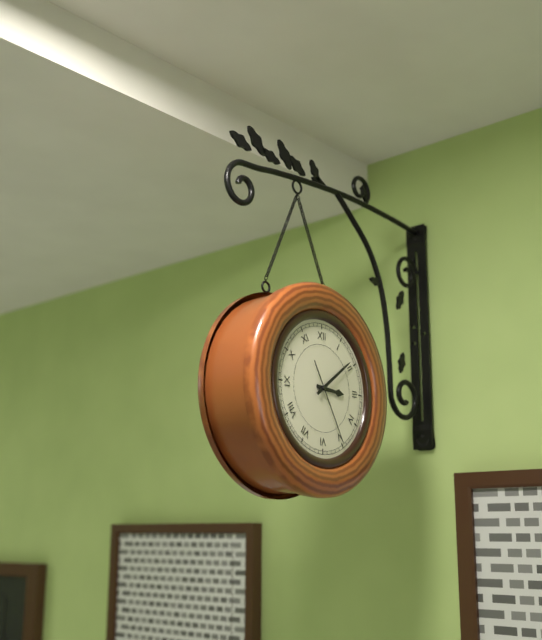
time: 3:09:25
